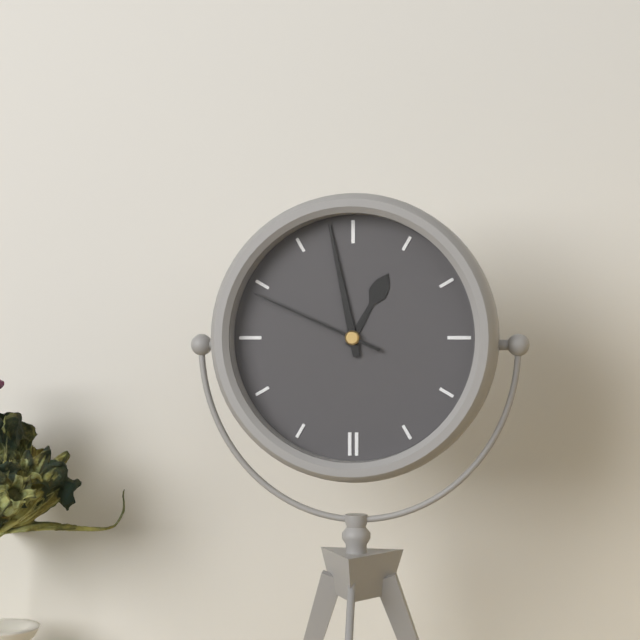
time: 12:58:49
